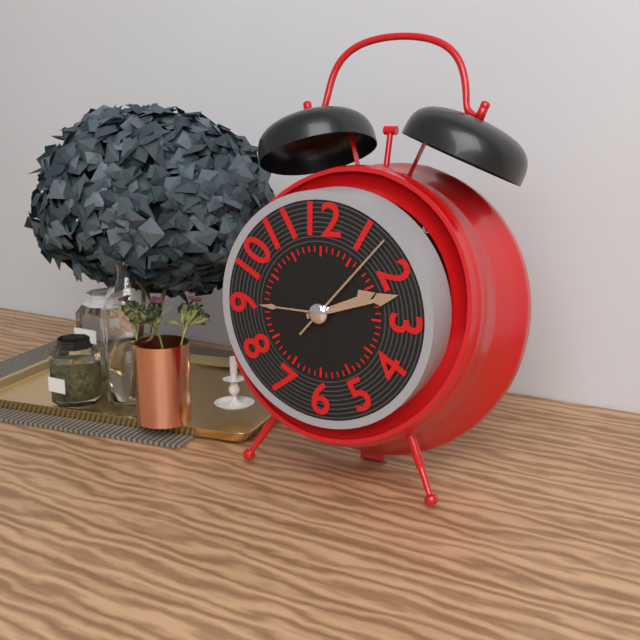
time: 2:12:07
